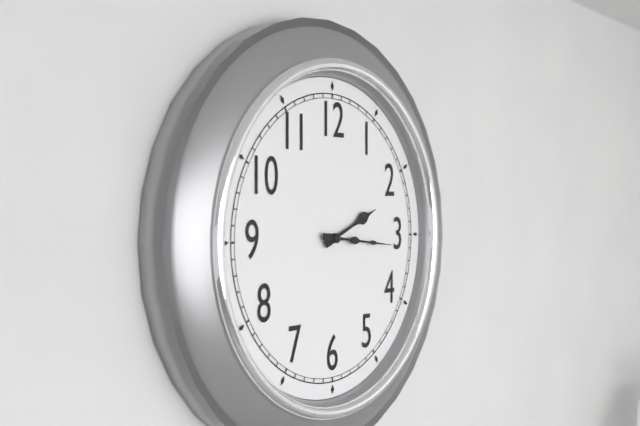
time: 2:16
